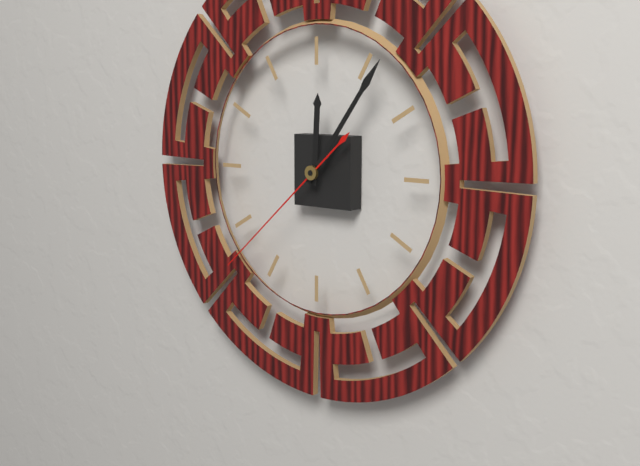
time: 12:06:38
